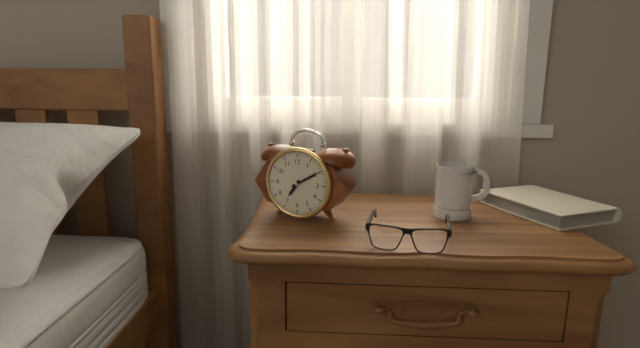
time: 7:10
